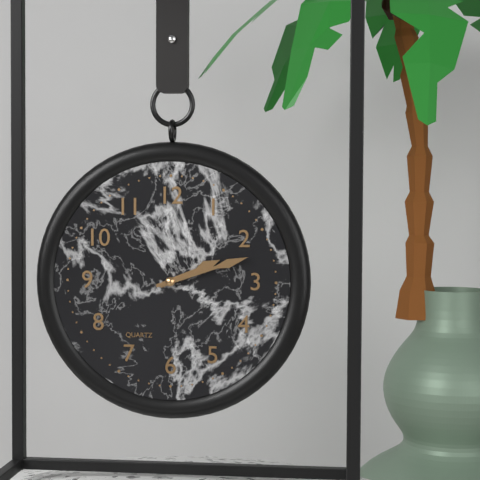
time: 2:12
